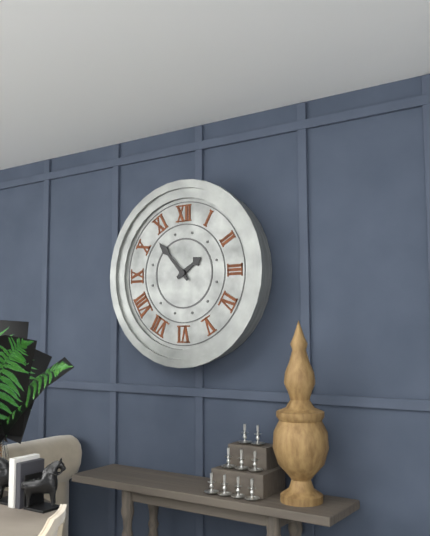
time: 1:53
